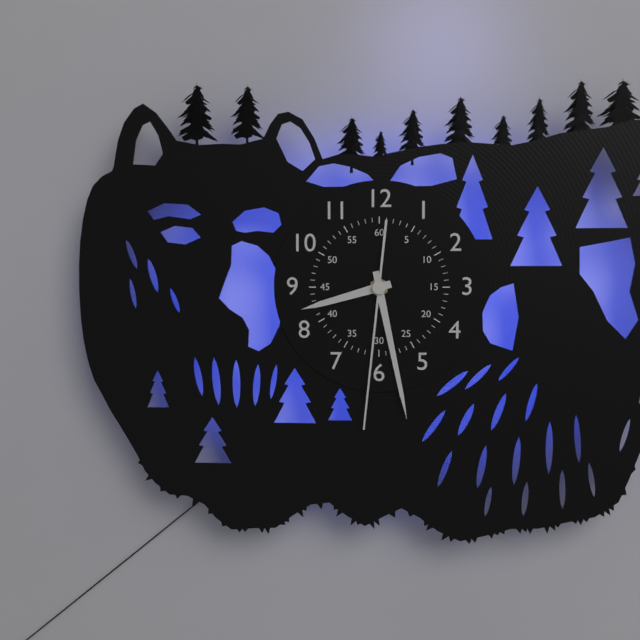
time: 8:28:31
